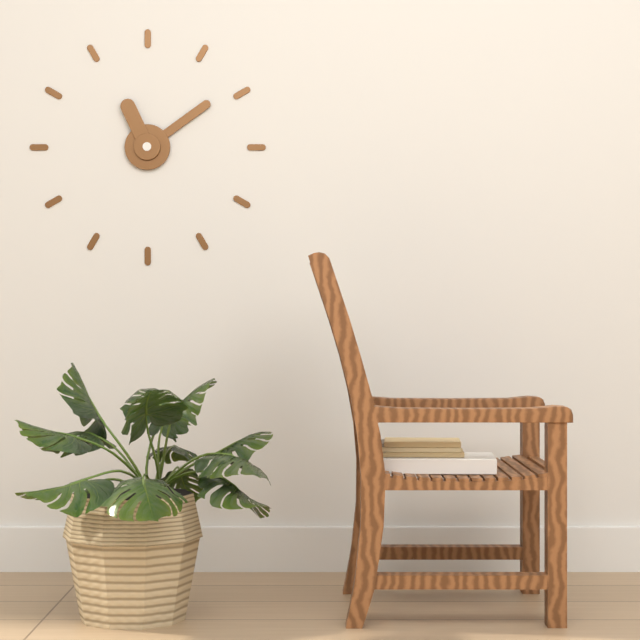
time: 11:09
